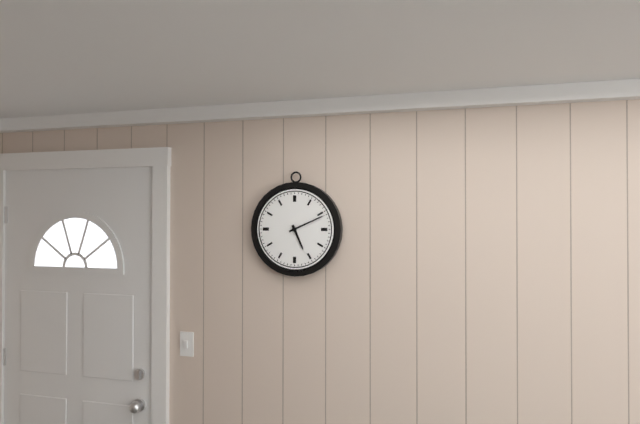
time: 5:11
